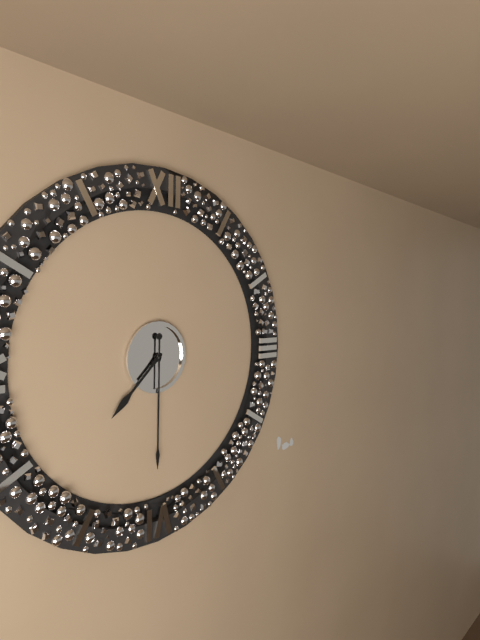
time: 7:30
